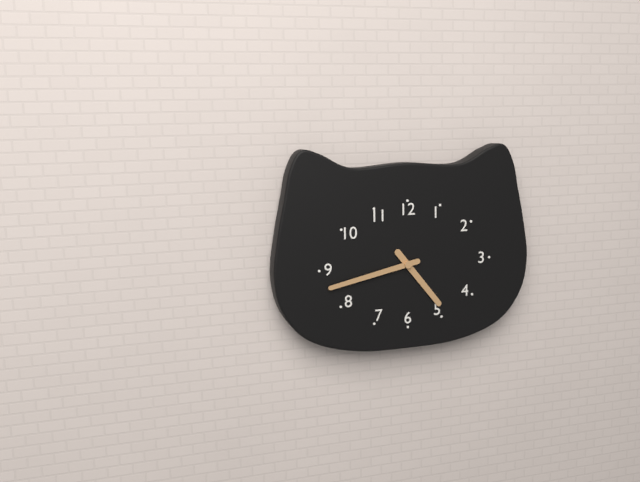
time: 4:43
